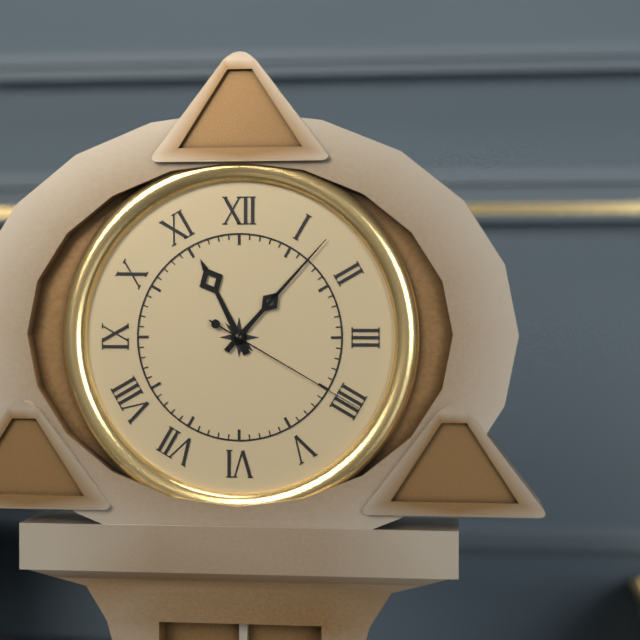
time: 11:07:20
